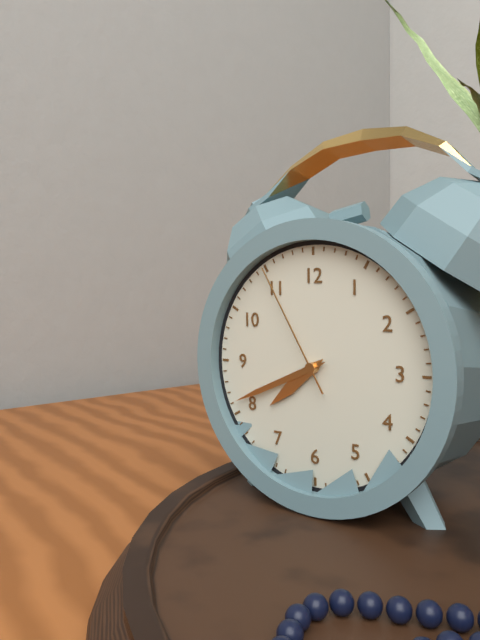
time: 7:41:55
